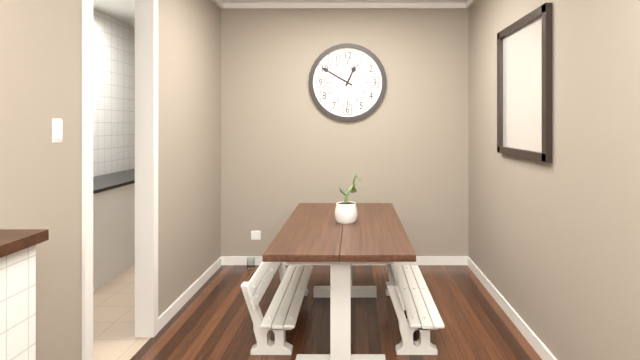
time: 12:50
